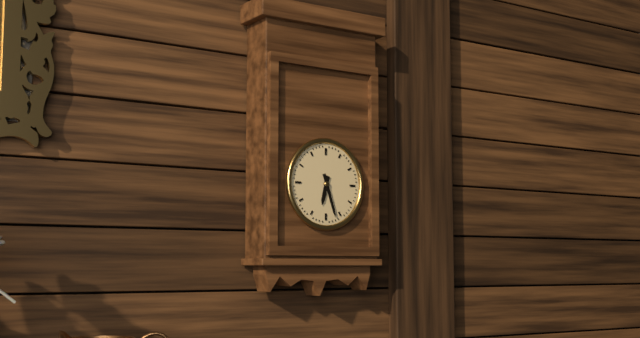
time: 6:27
